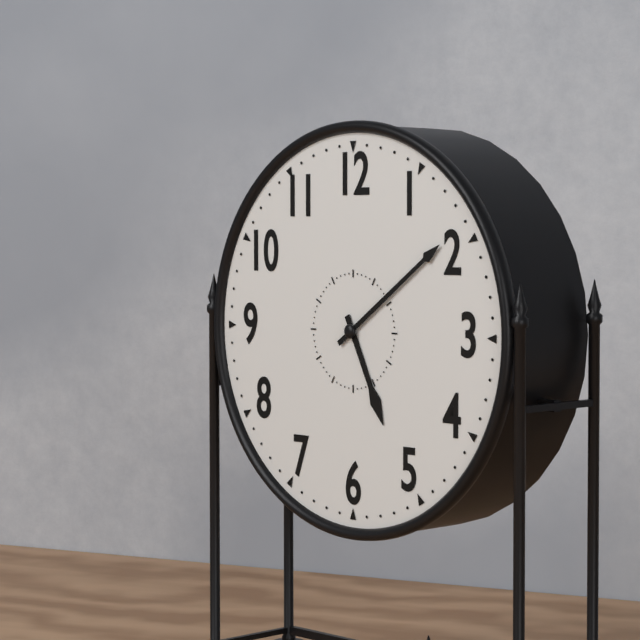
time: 5:09
